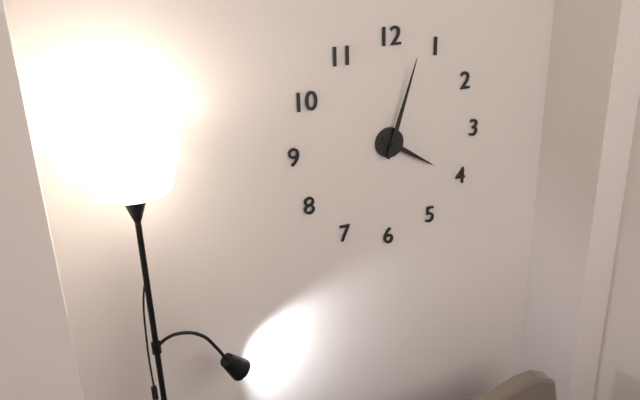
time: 4:03
